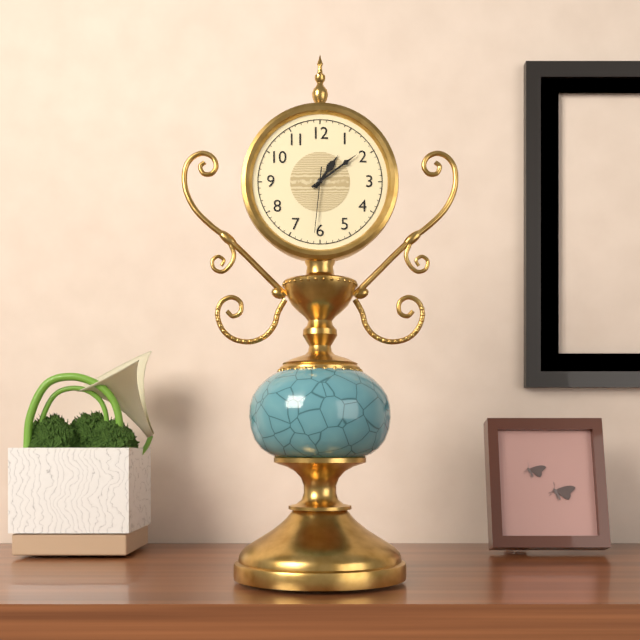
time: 1:09:31
